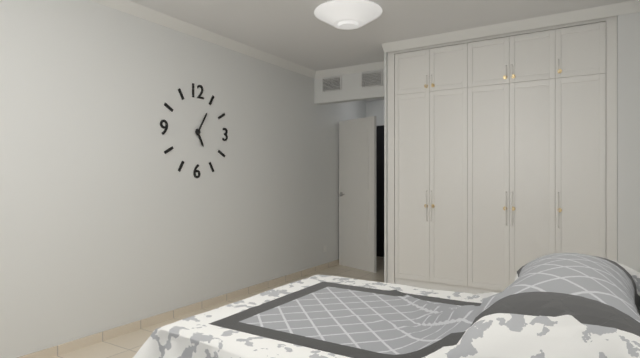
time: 5:05
